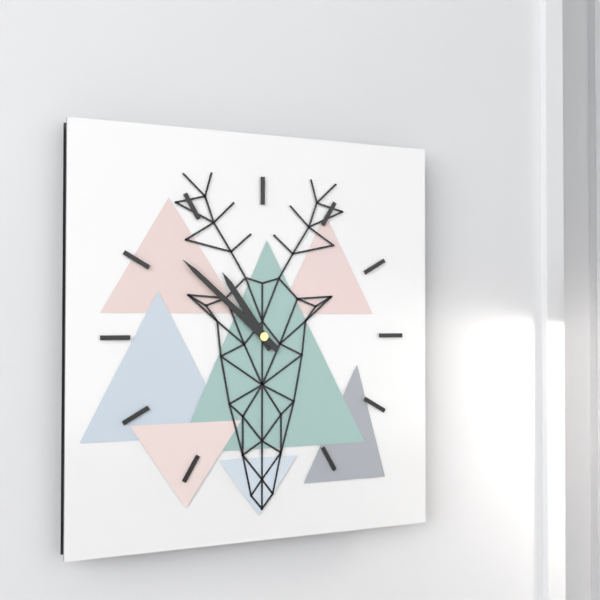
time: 10:52
